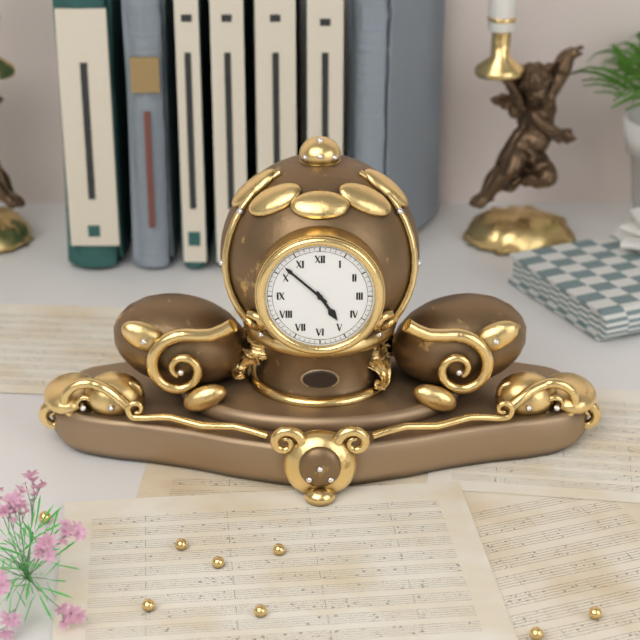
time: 4:52
